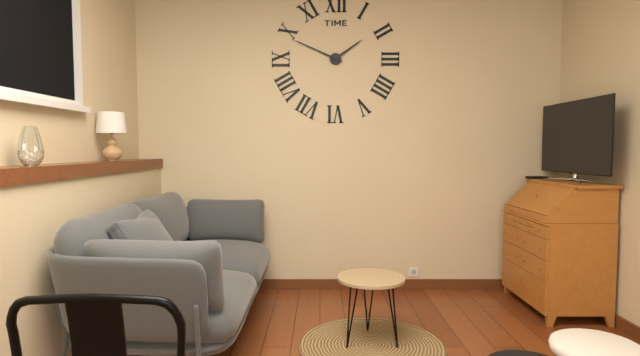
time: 1:49
